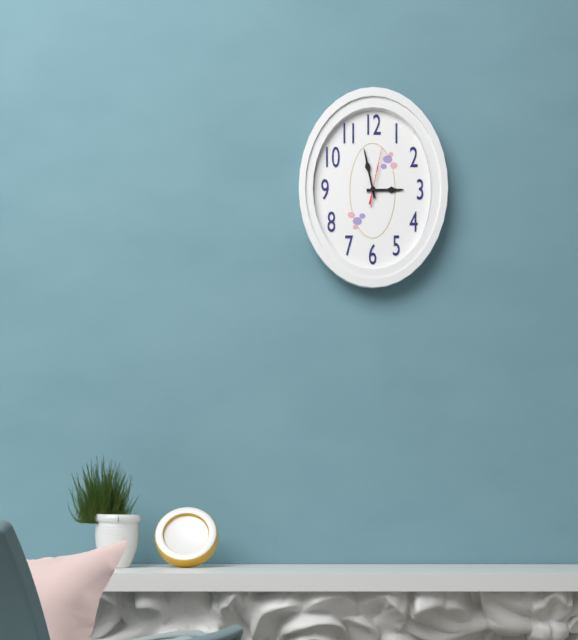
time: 2:58:02
